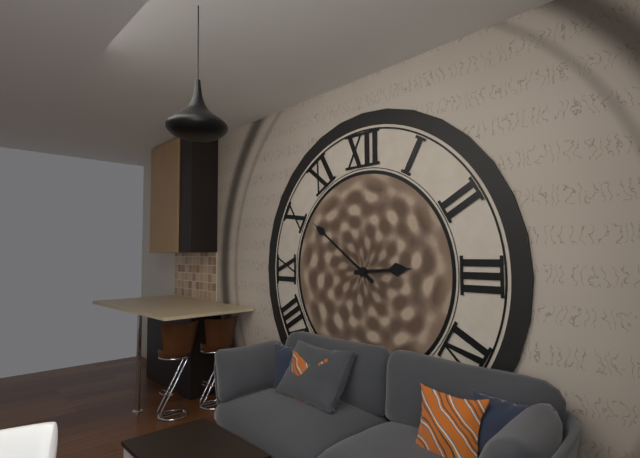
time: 2:51
